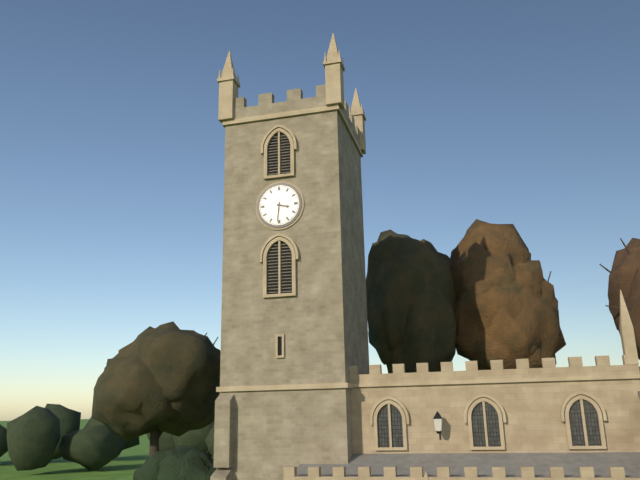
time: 3:31
